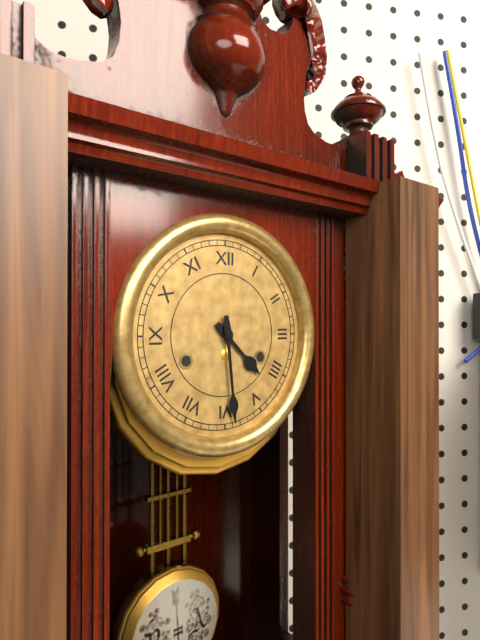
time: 4:29
